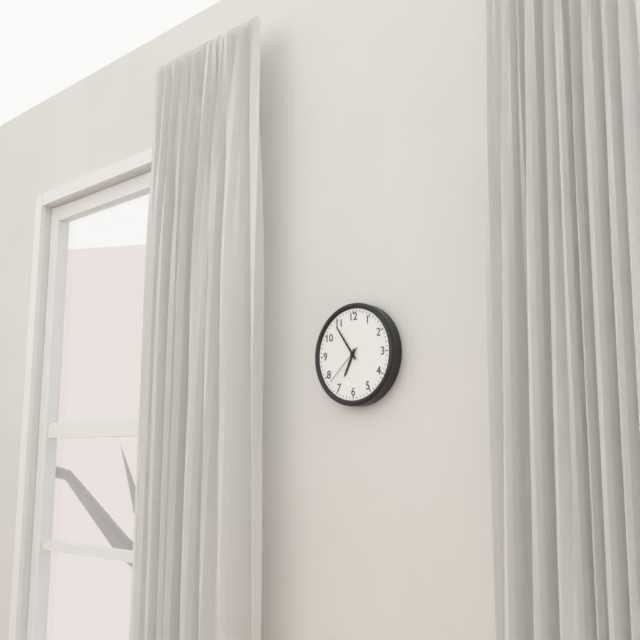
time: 6:54
